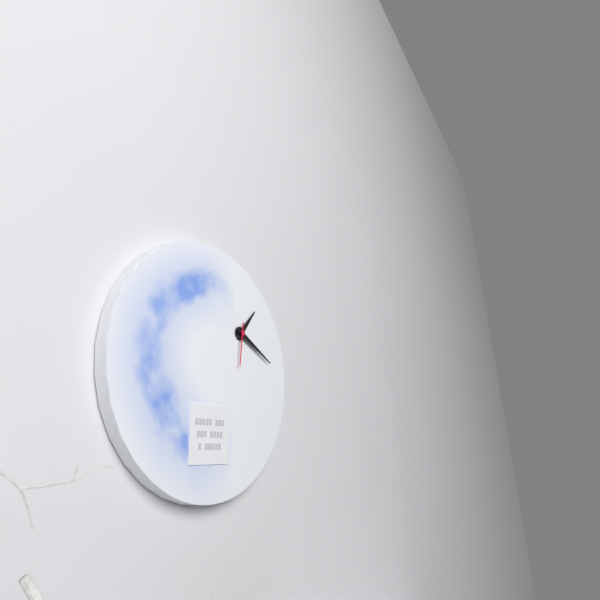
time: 1:19
